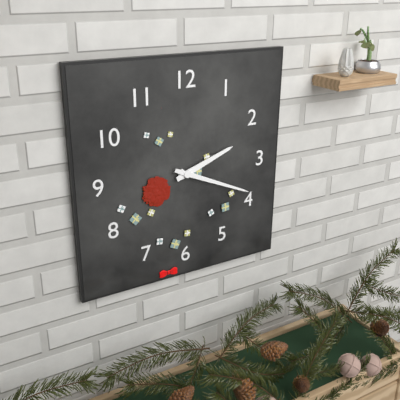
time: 2:19
